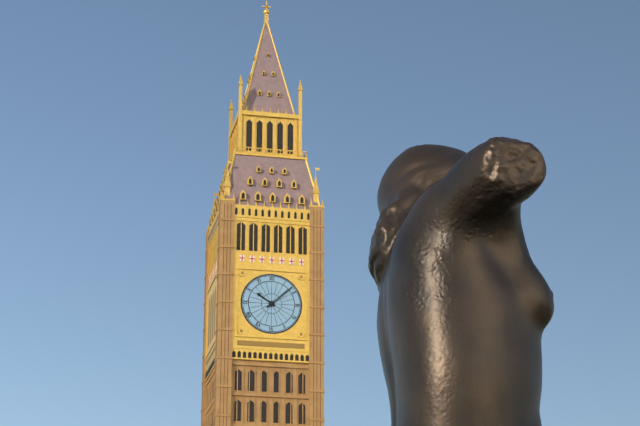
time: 10:08
